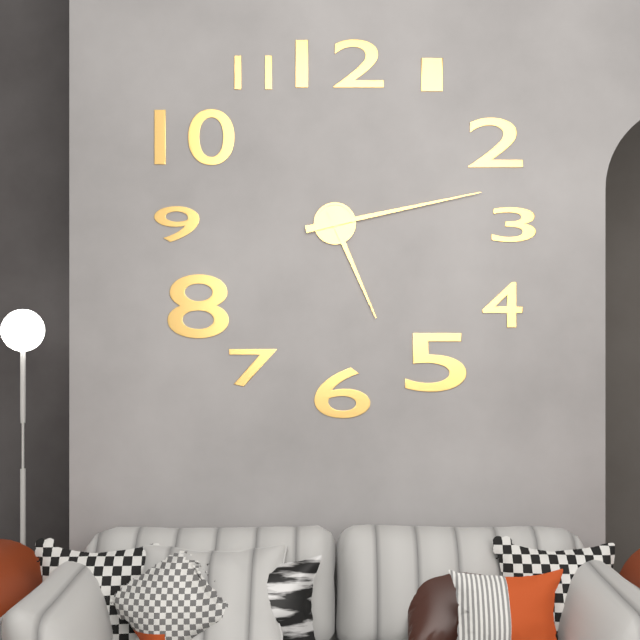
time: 5:13
